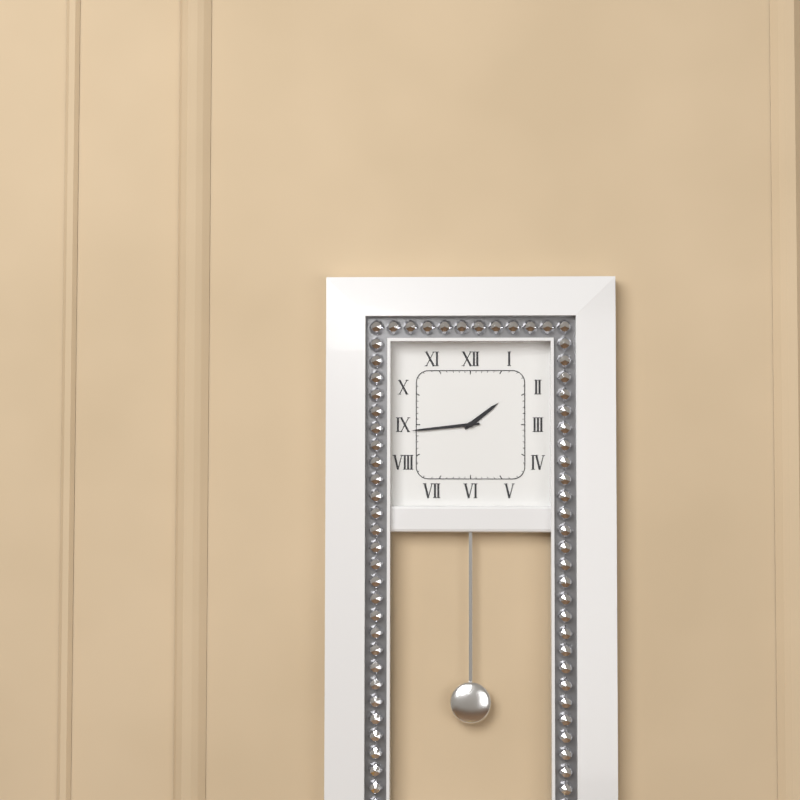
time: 1:44
